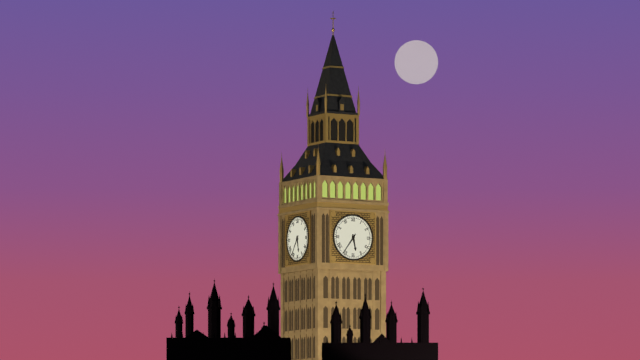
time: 5:36
